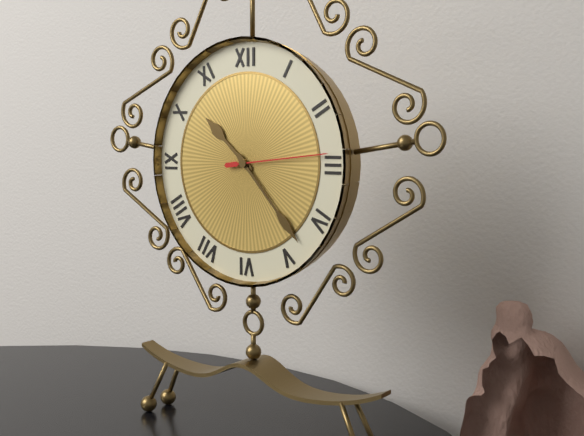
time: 10:23:14
